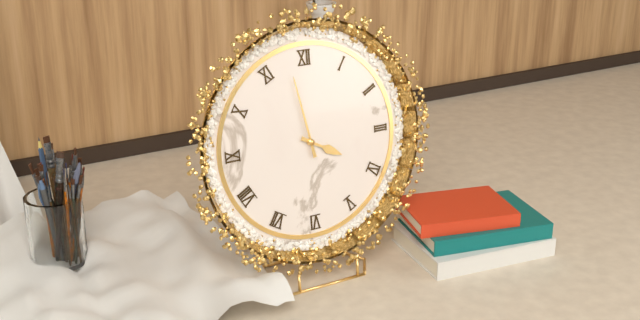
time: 3:58
